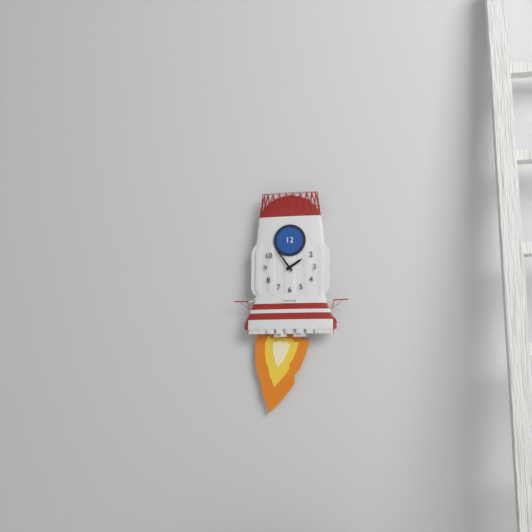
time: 1:54
